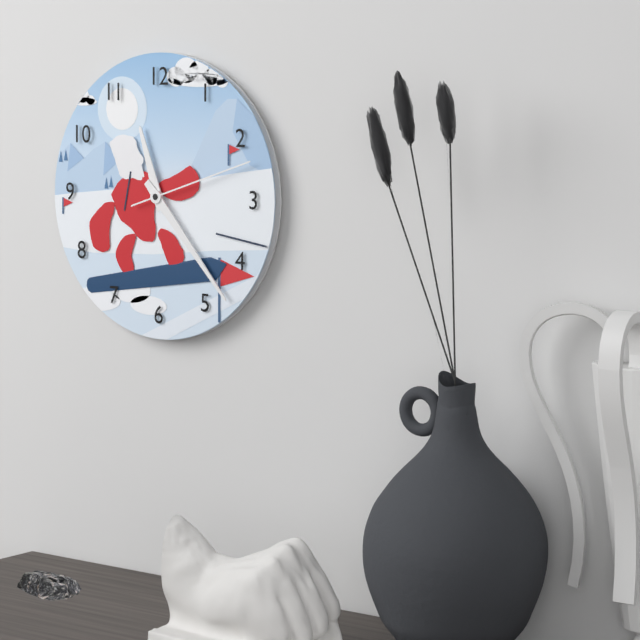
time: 11:23:12
